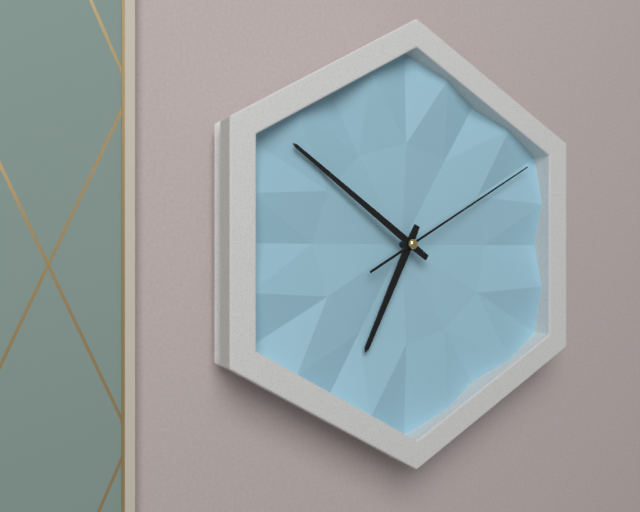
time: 6:51:10
